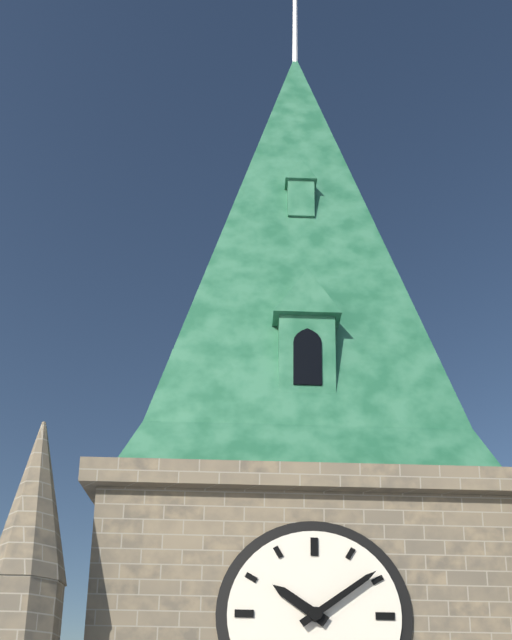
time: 10:09
